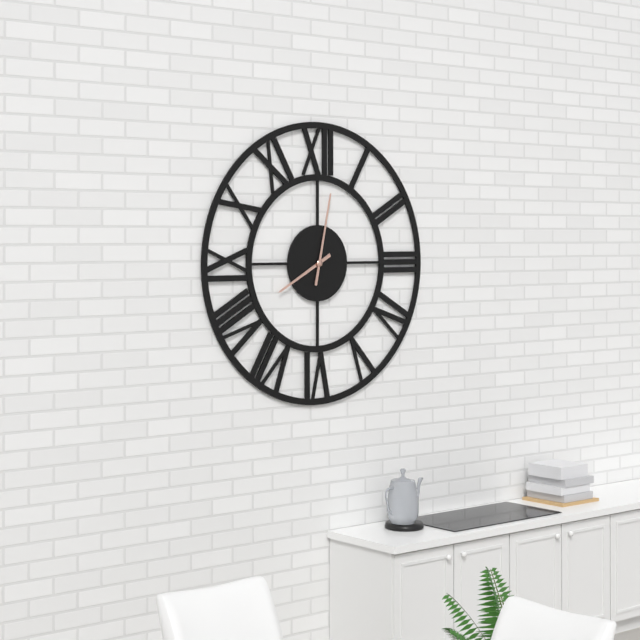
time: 8:02
